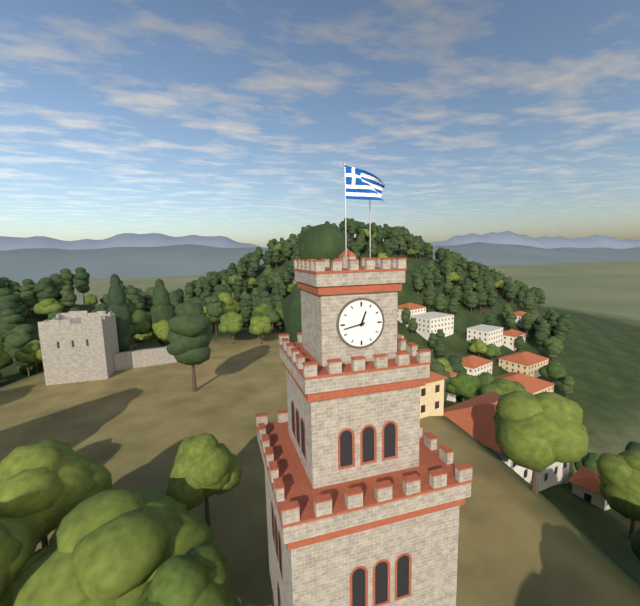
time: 12:43
